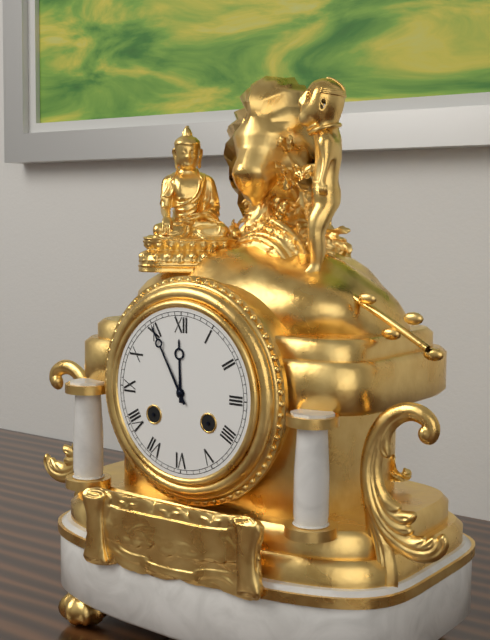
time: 11:55
